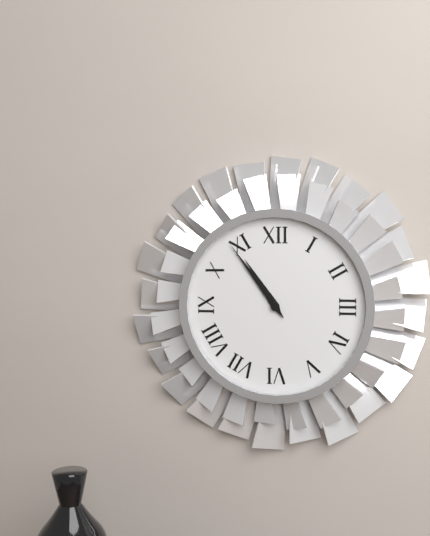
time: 10:54
